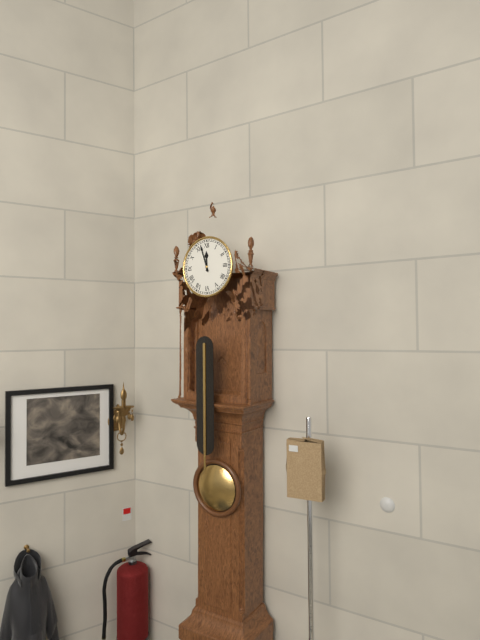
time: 11:57
